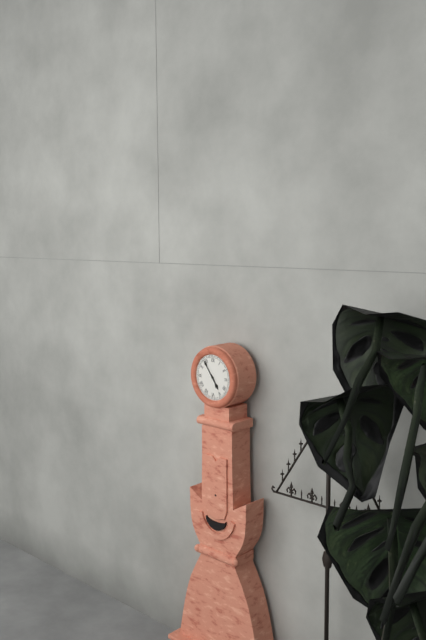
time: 4:54
